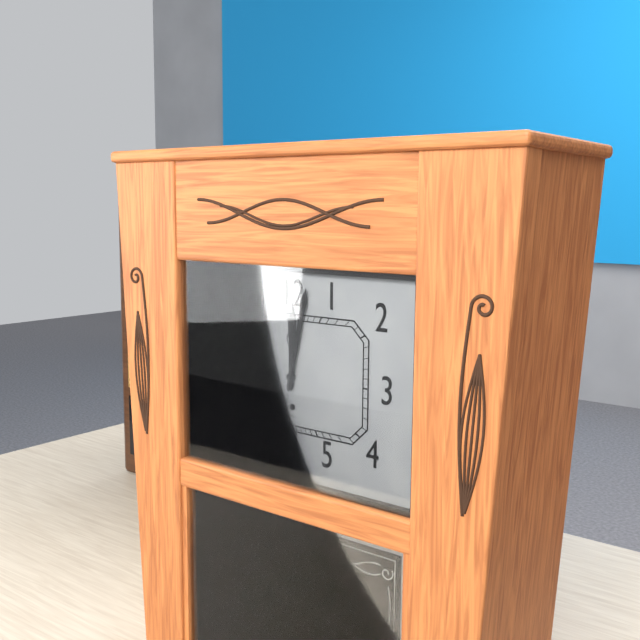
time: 12:02
